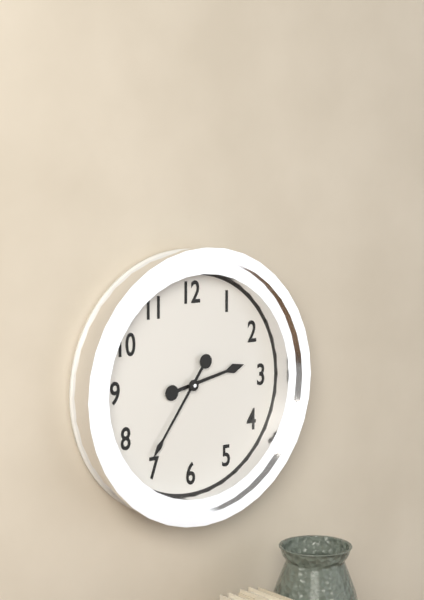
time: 2:36
